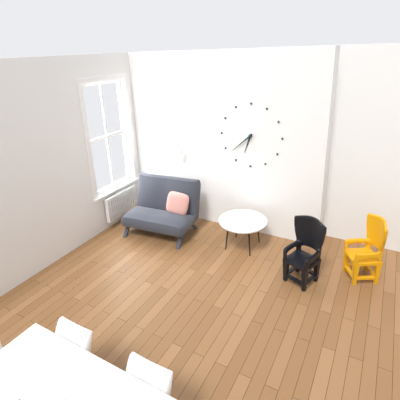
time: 6:38
